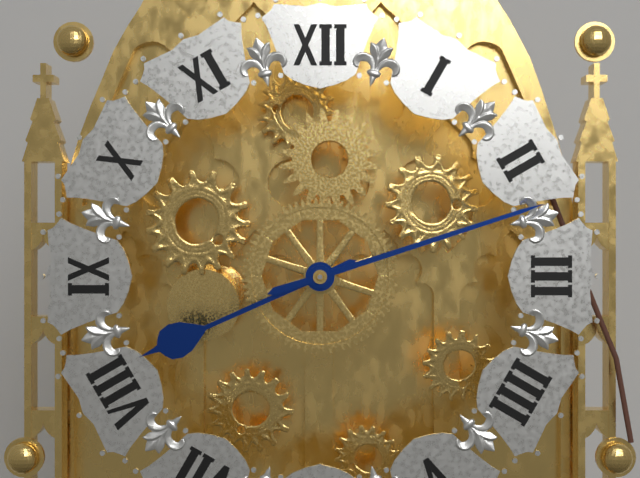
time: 8:12
